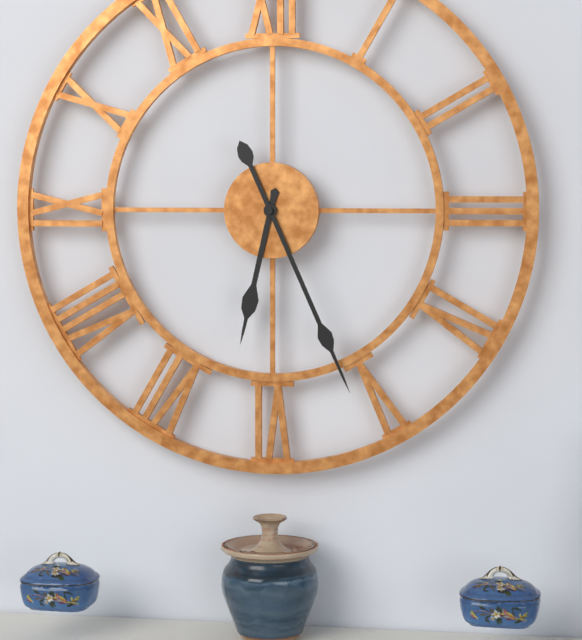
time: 6:26
